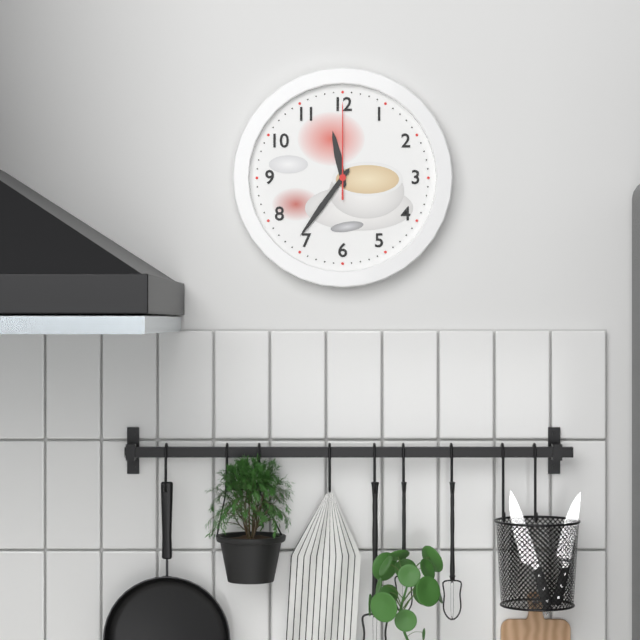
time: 11:36:00
